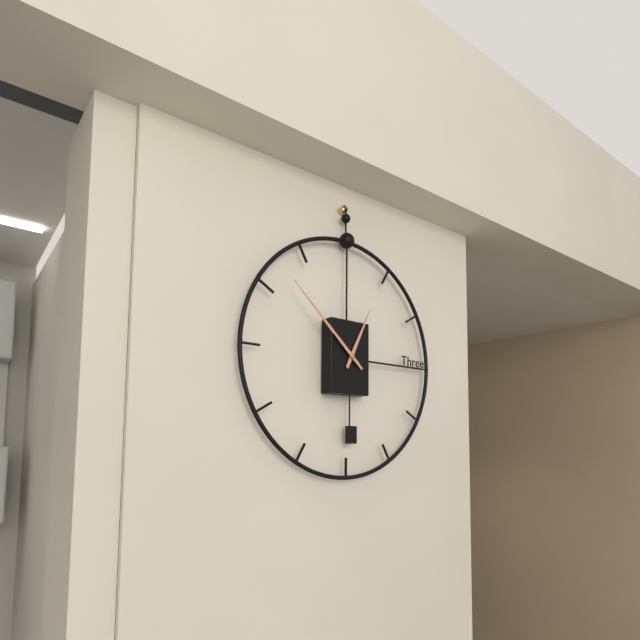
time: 12:52
